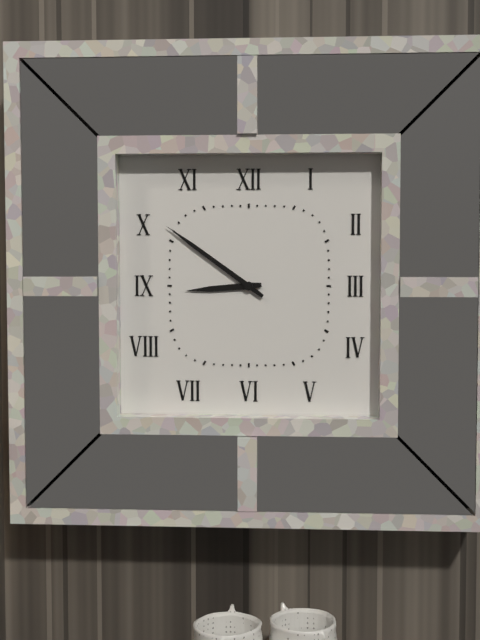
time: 8:51
